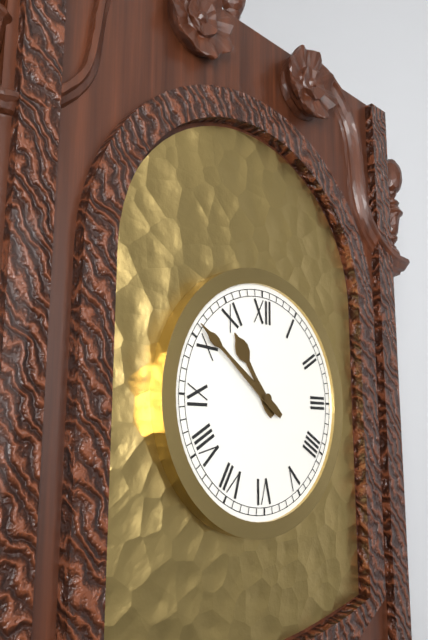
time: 10:51
